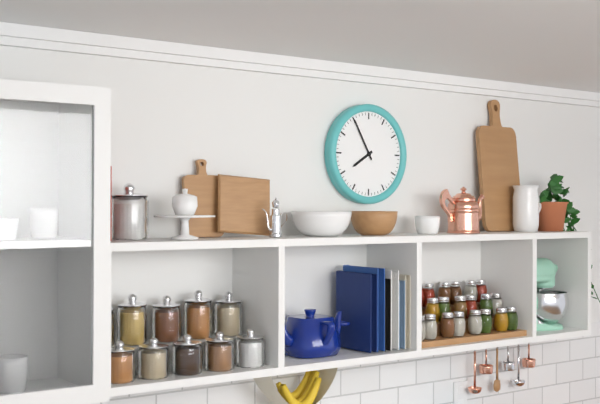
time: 7:55
